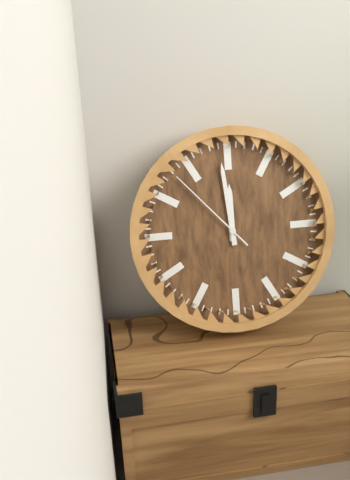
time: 11:59:53
